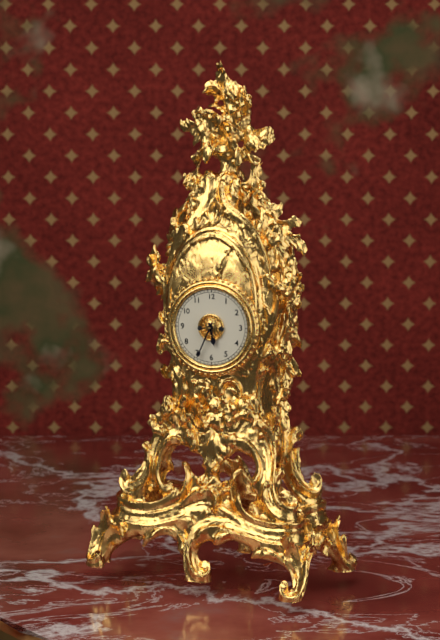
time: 5:34
